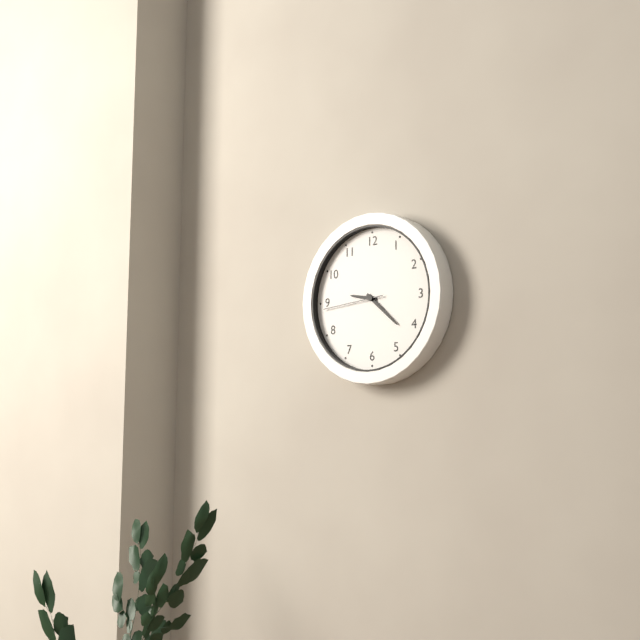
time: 9:22:44
